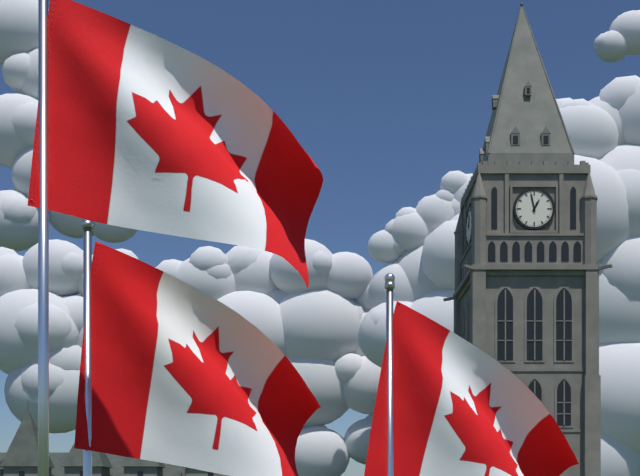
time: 12:58
